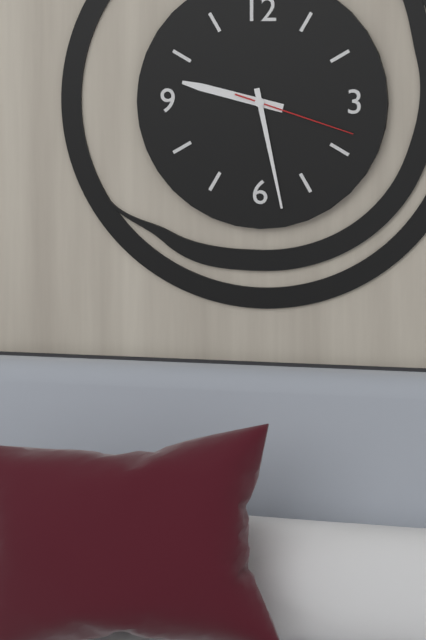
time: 9:28:18
